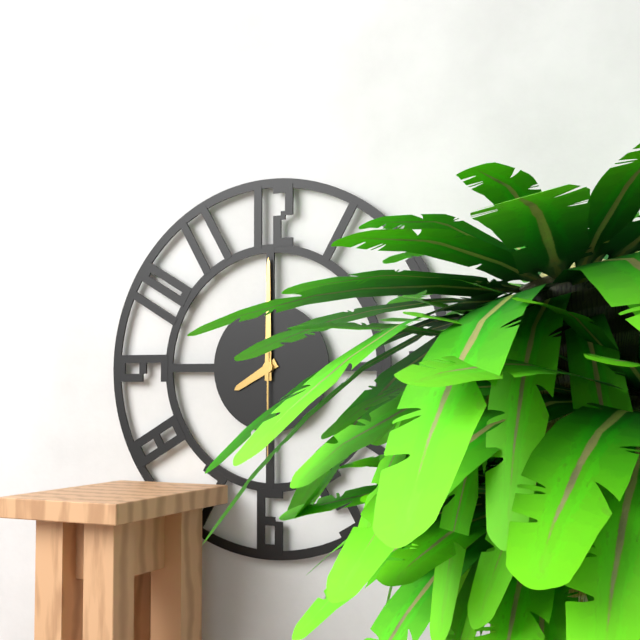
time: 8:00:30
